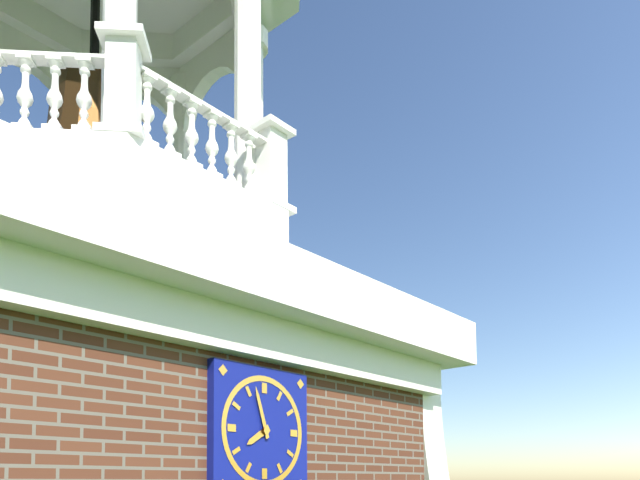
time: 7:57
